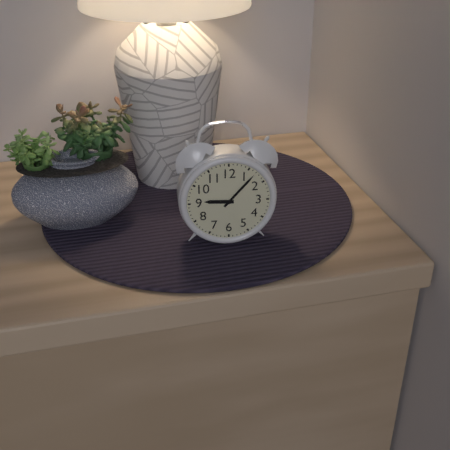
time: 9:07
